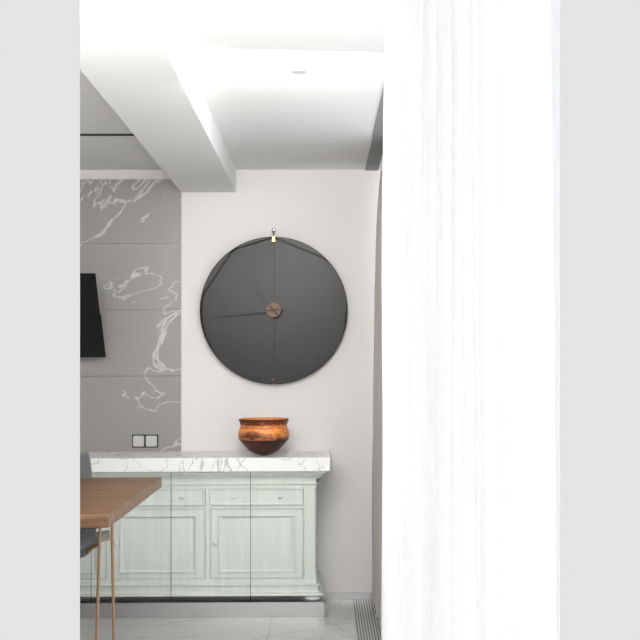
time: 10:44
